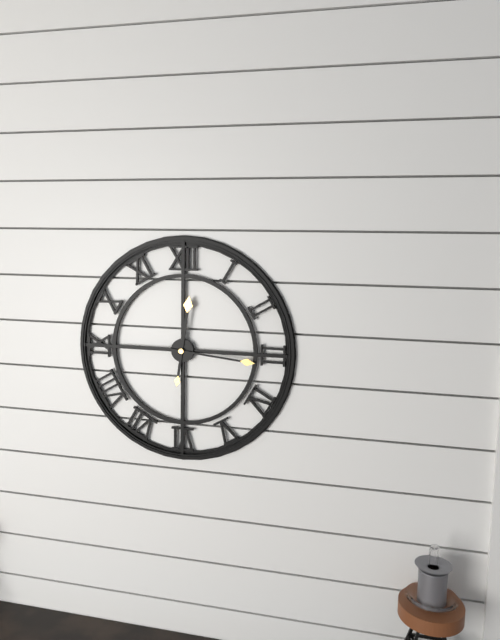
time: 12:16
